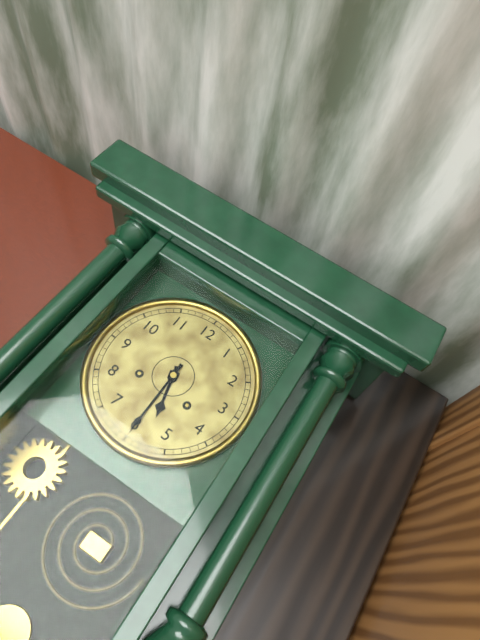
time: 5:30
